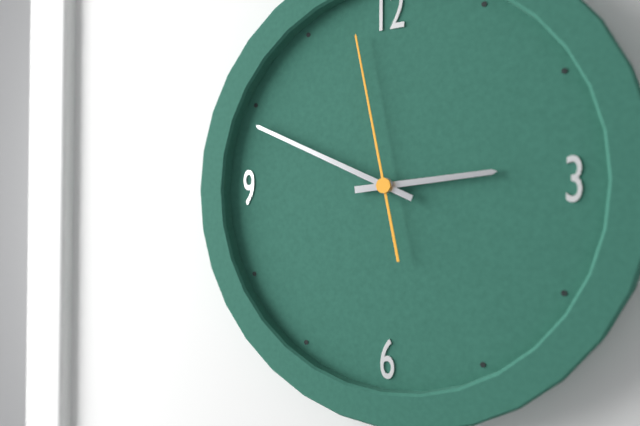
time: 2:49:58
